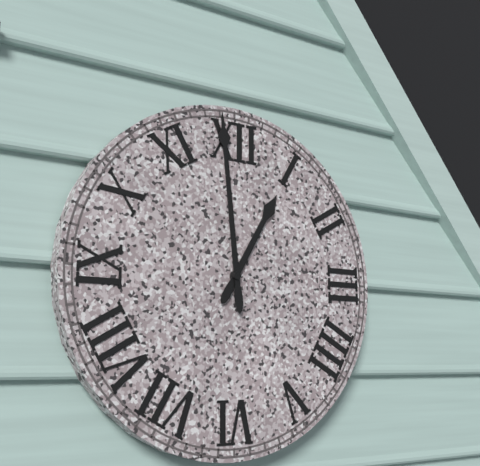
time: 12:59
